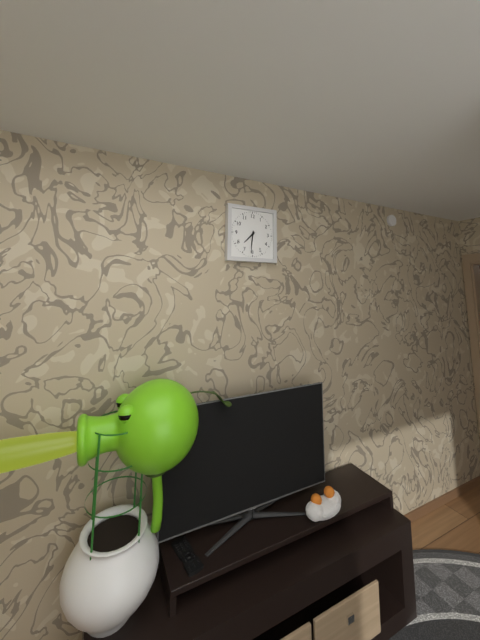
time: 7:31
